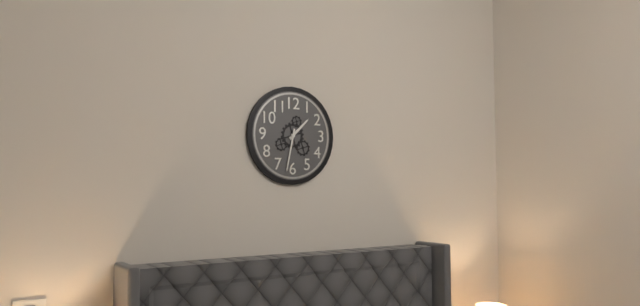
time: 1:32
